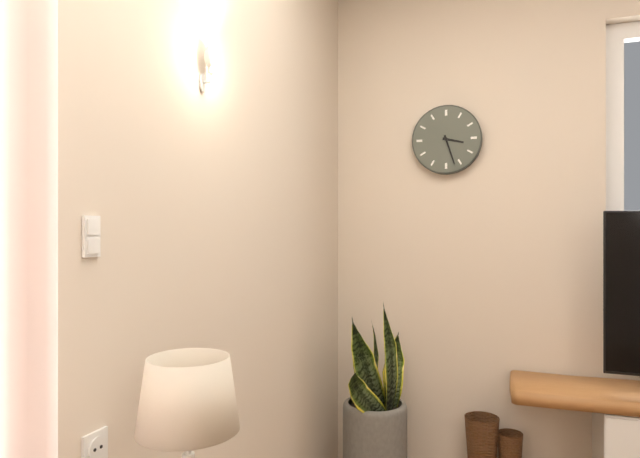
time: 3:27
